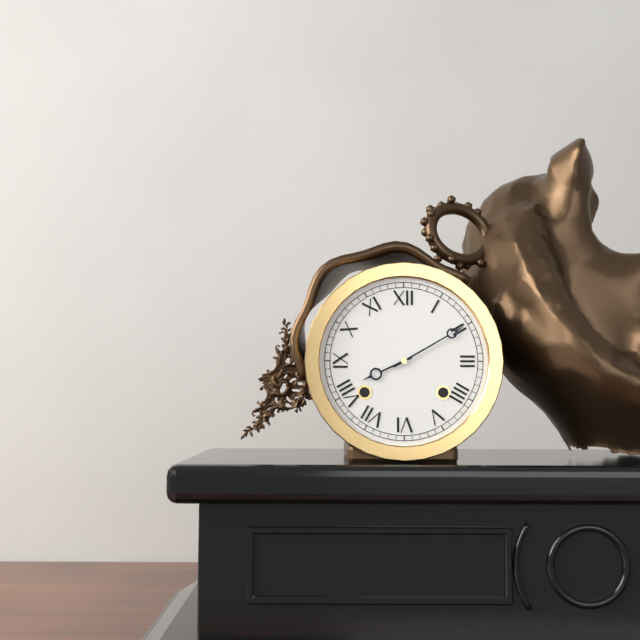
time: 8:10
